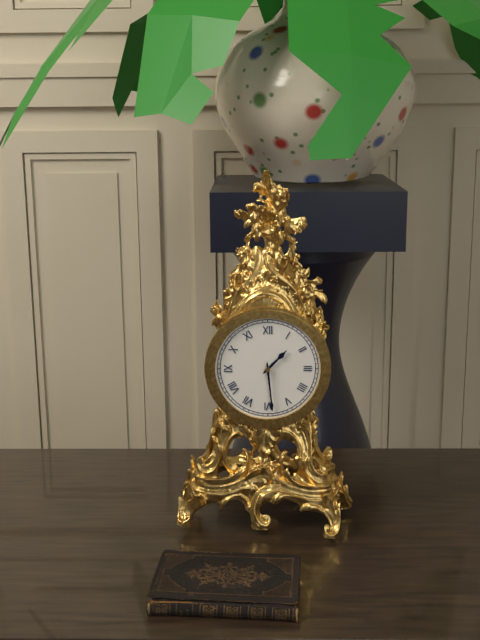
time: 1:29
